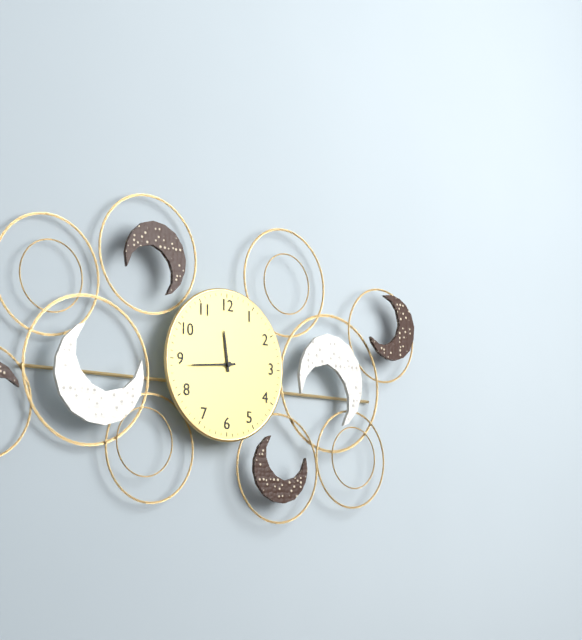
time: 11:44
